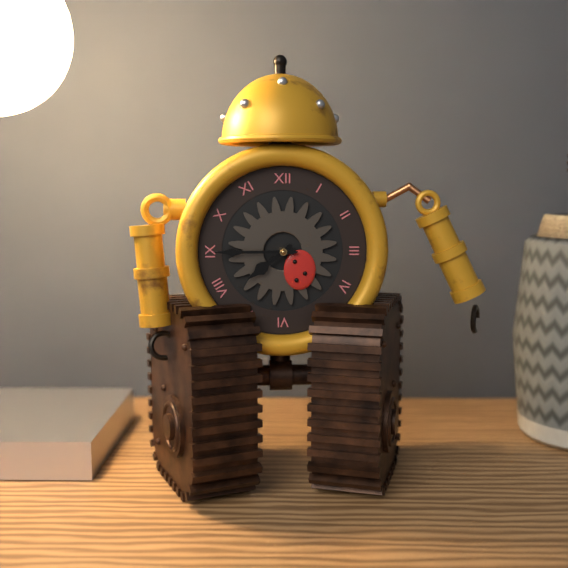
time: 7:45
